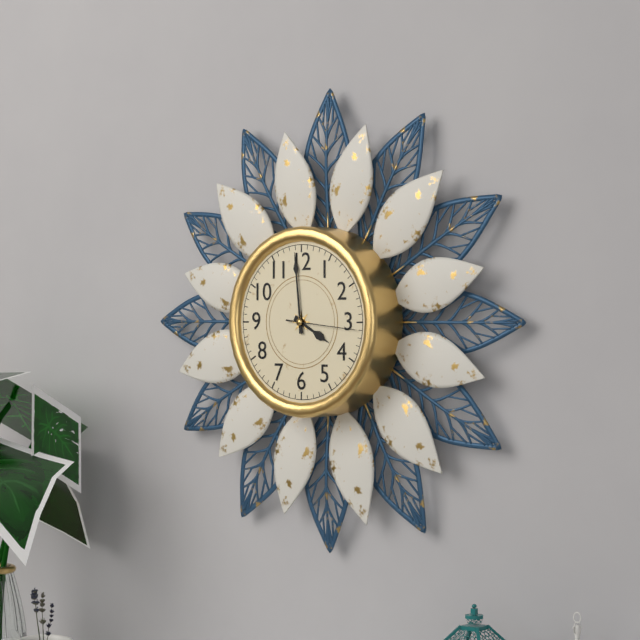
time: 3:59:16
